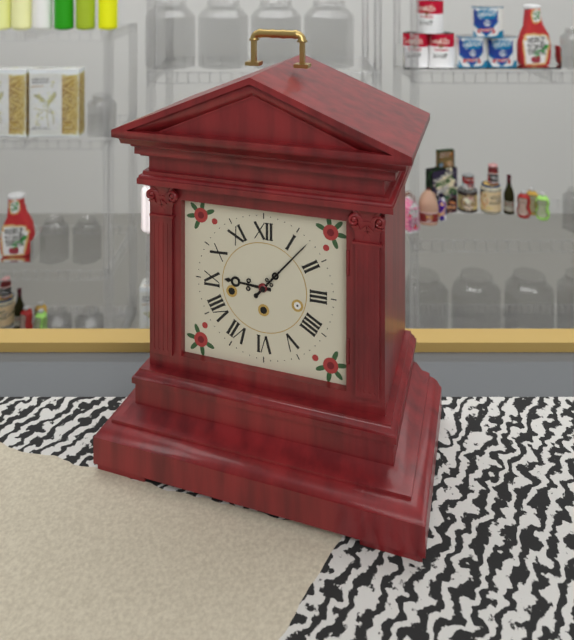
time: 9:07
